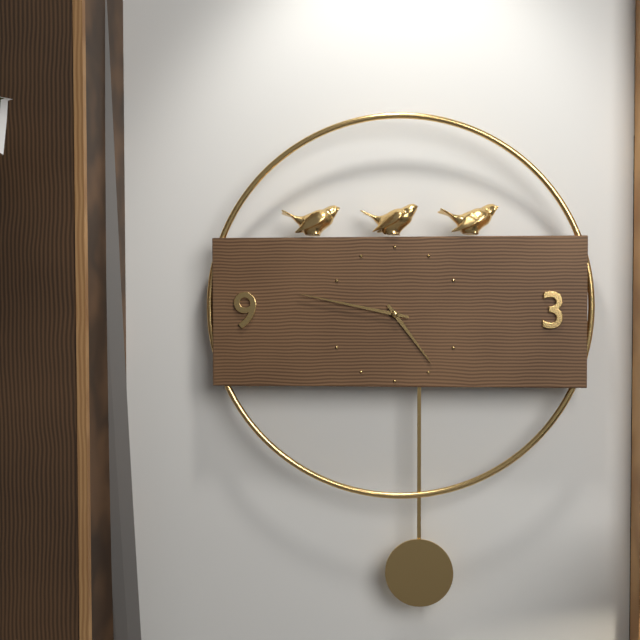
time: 4:47
